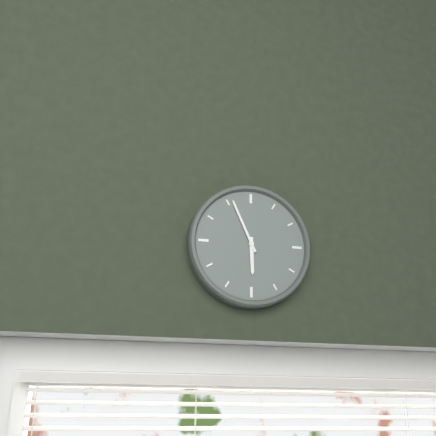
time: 5:56
